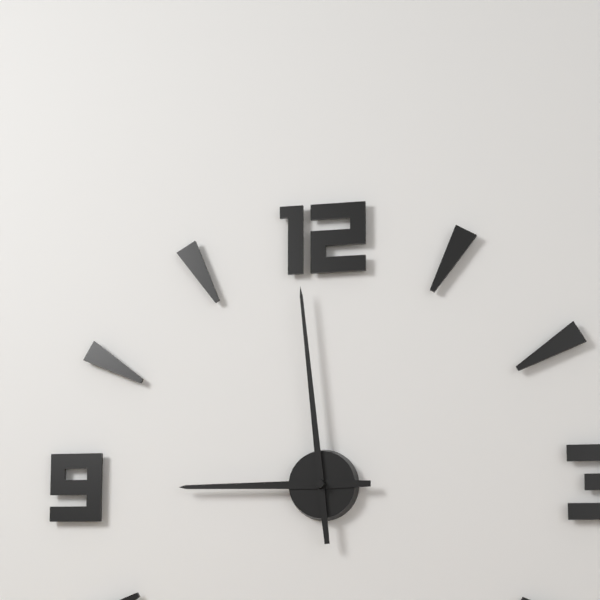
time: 8:59
